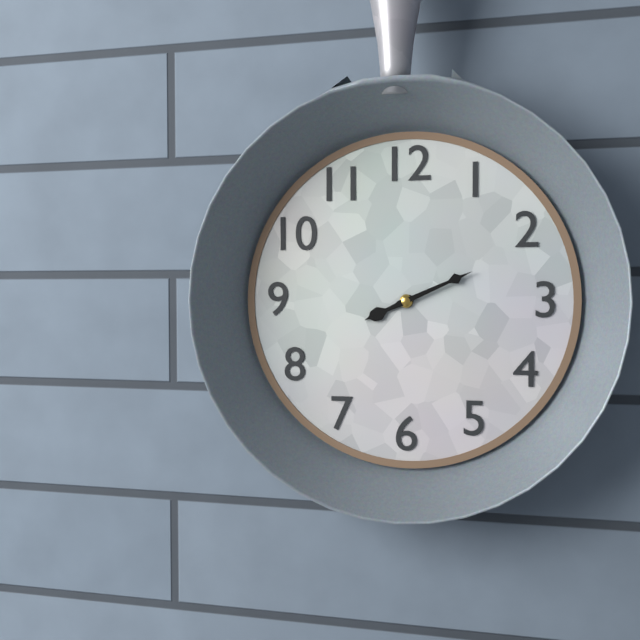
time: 8:11
